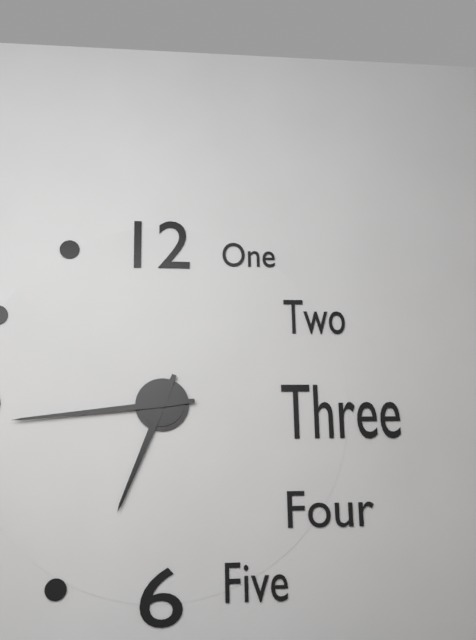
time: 6:44
